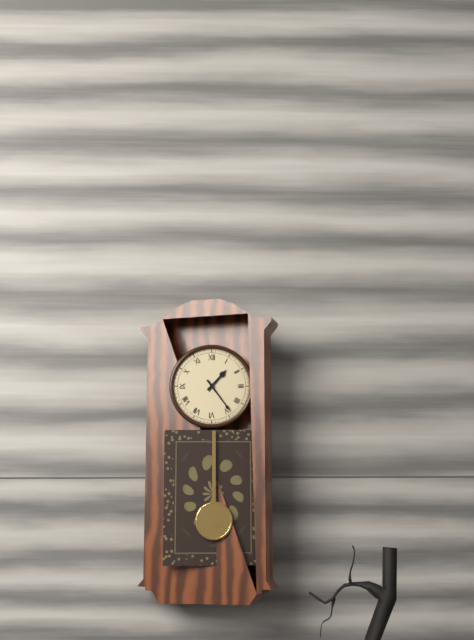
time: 1:24
